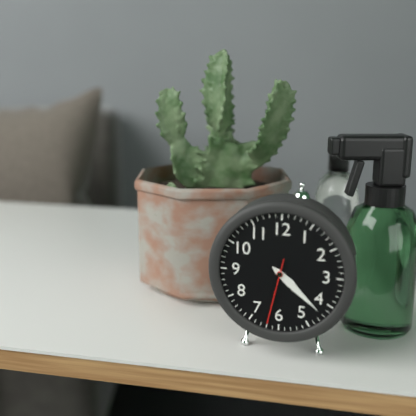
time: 4:22:32
